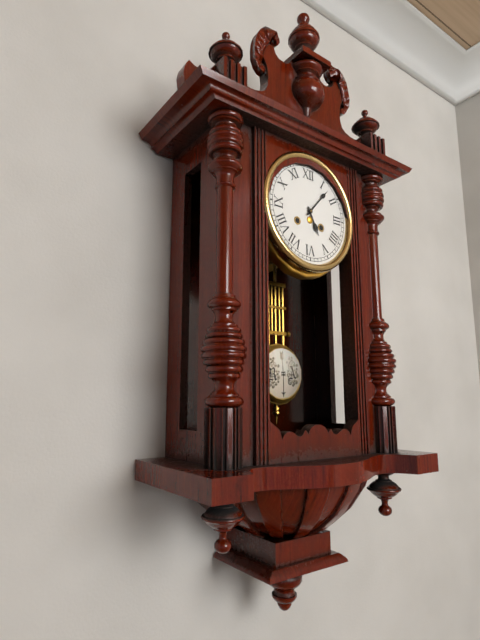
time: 5:07
